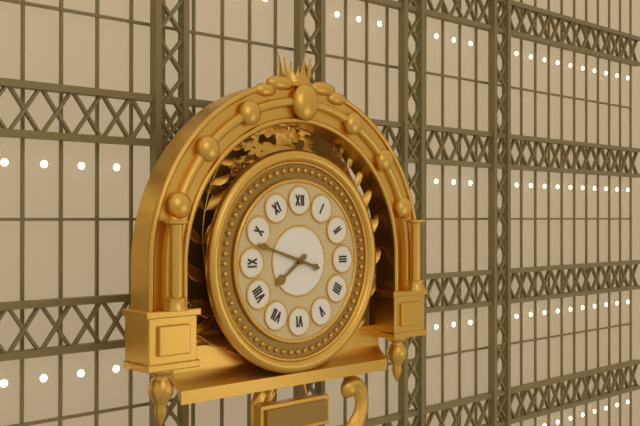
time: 7:48
